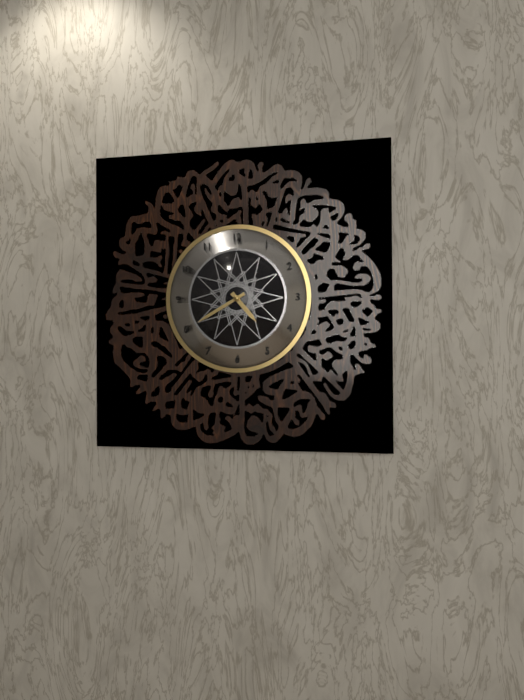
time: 4:40
